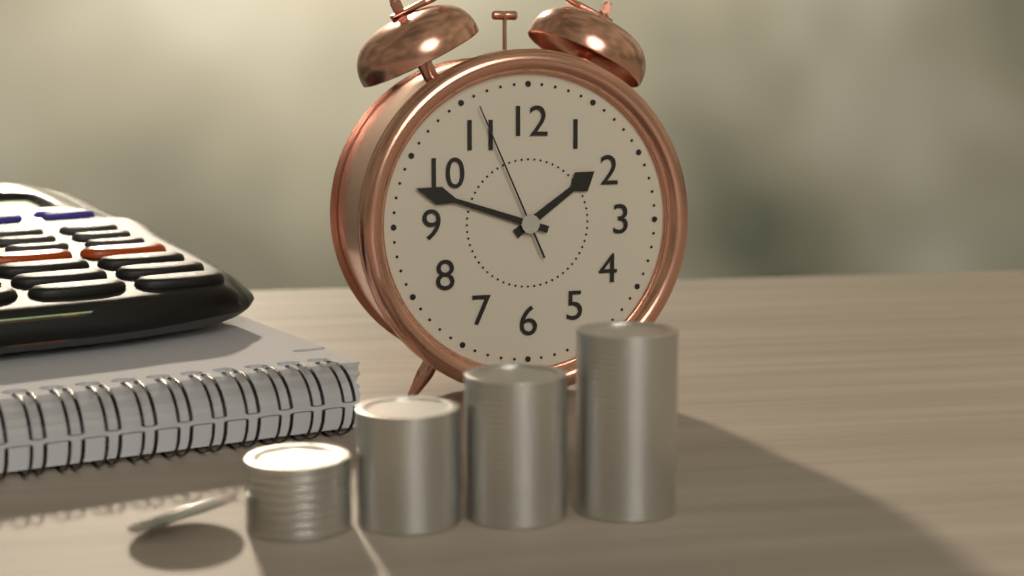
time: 1:48:56
